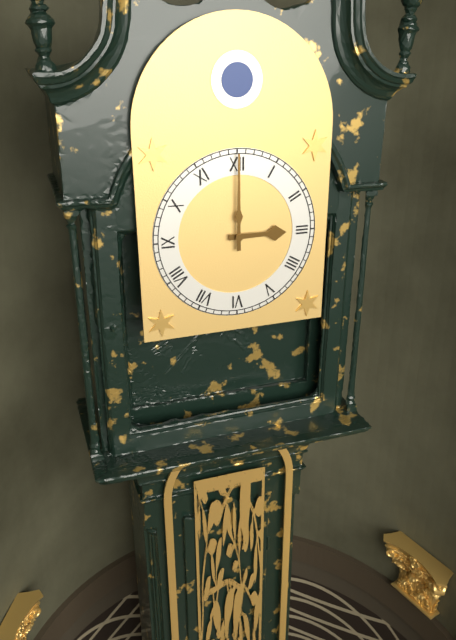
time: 3:00
